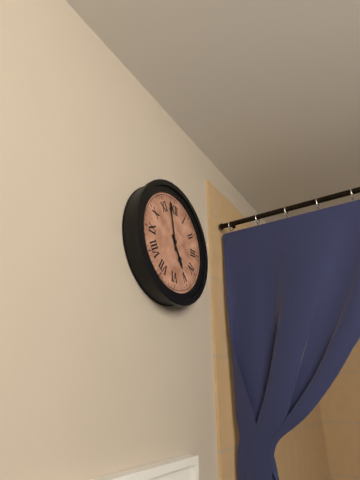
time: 4:58
